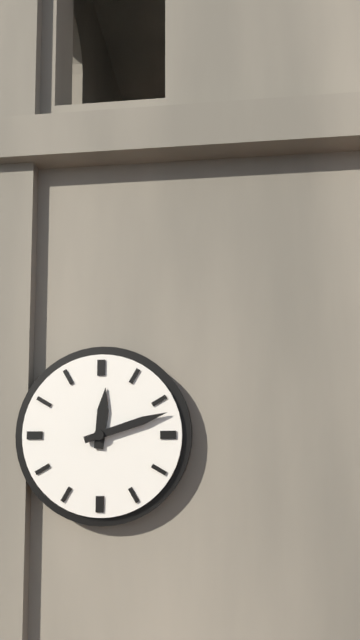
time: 12:12
